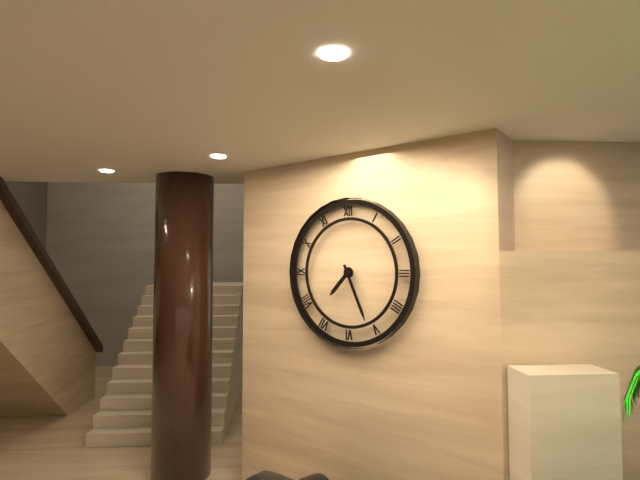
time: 7:26
